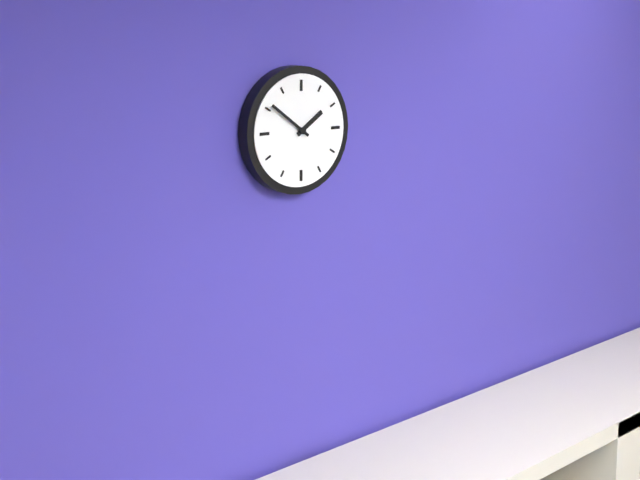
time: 1:51
